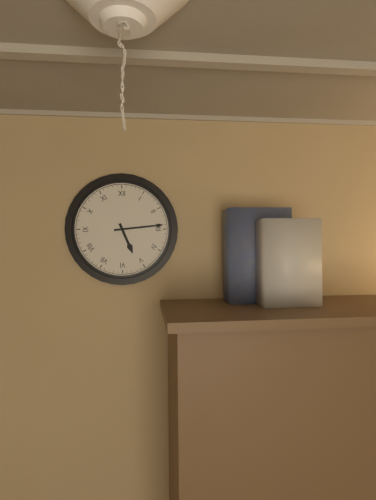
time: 5:14
